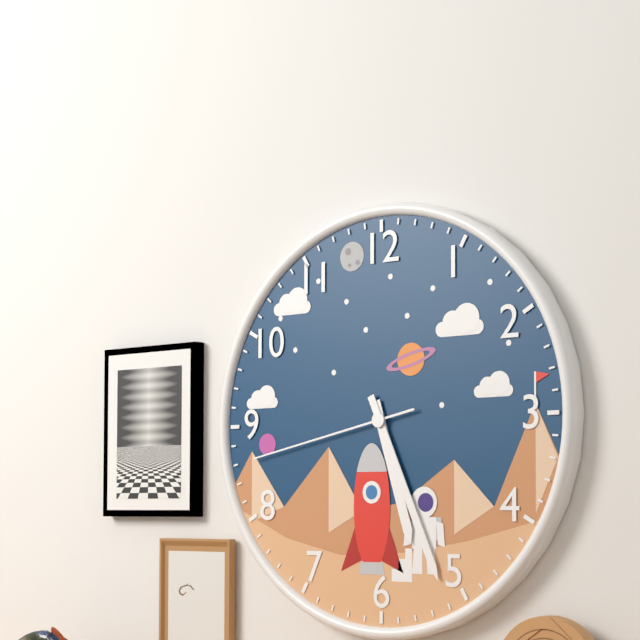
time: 5:26:43
